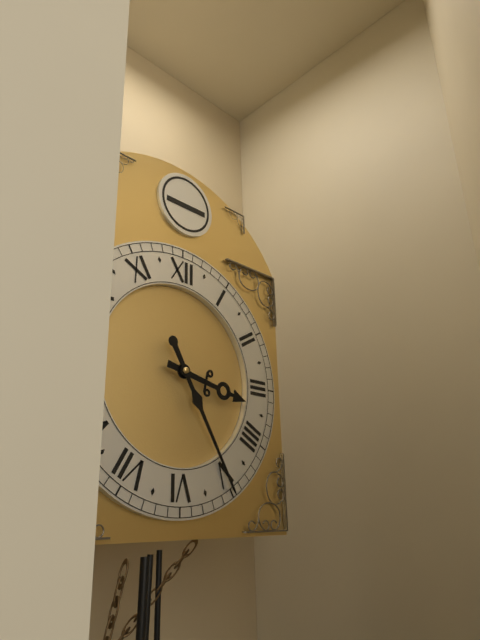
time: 3:25
